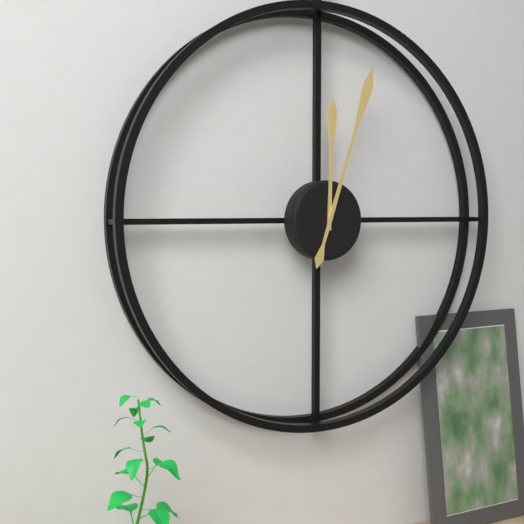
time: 12:03
